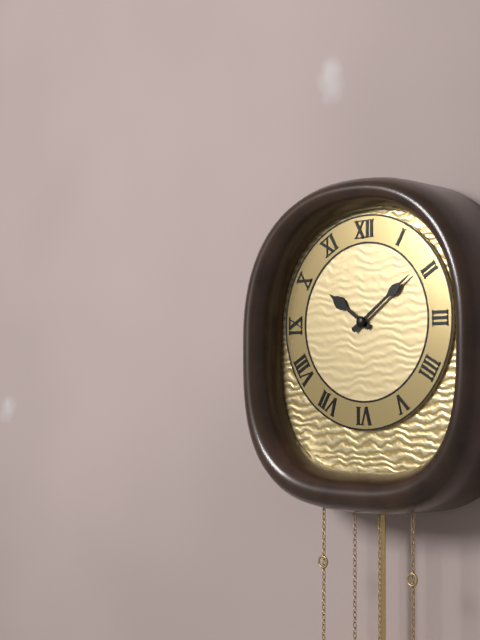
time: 10:09
